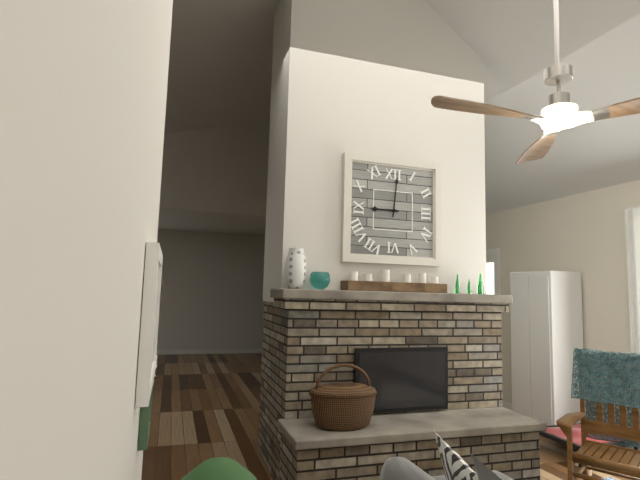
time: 9:01
